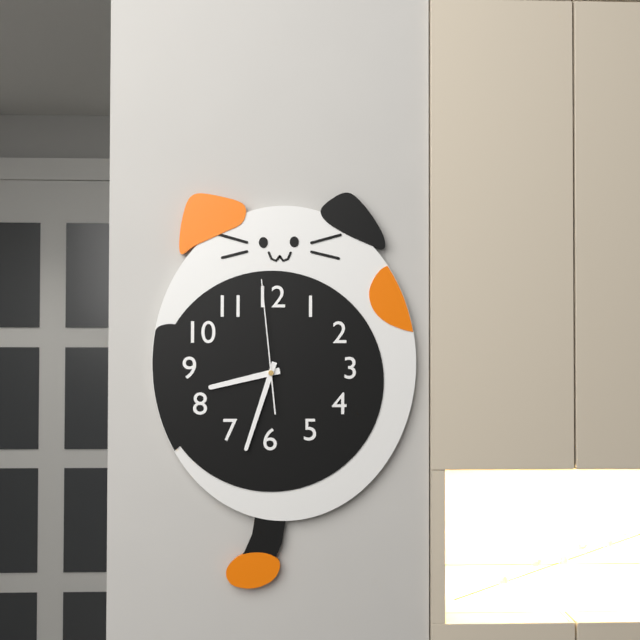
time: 8:33:59
